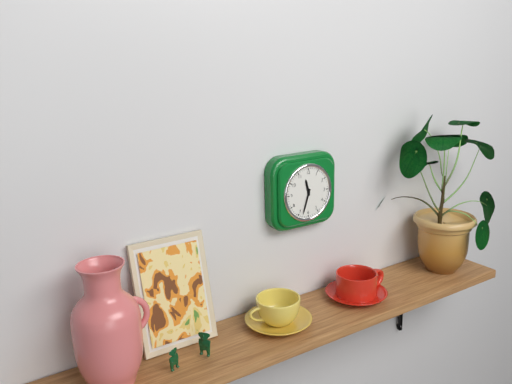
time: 11:33
